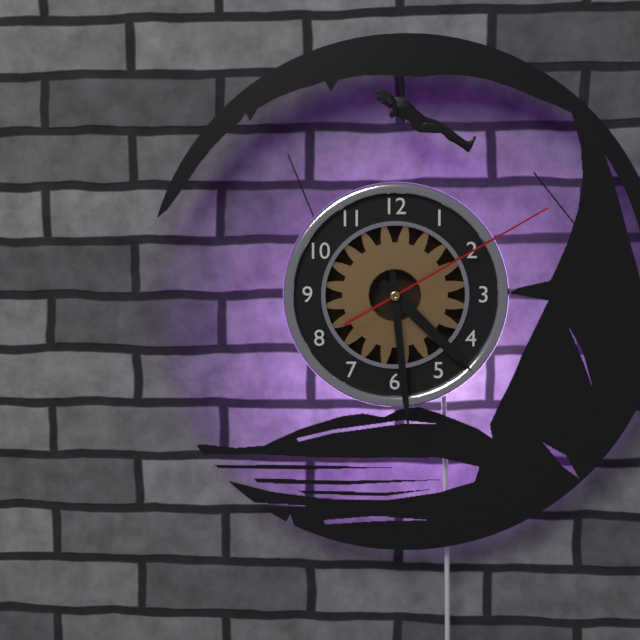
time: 4:29:10
